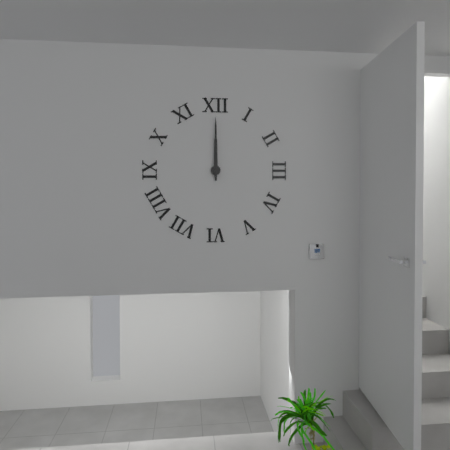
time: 12:00
